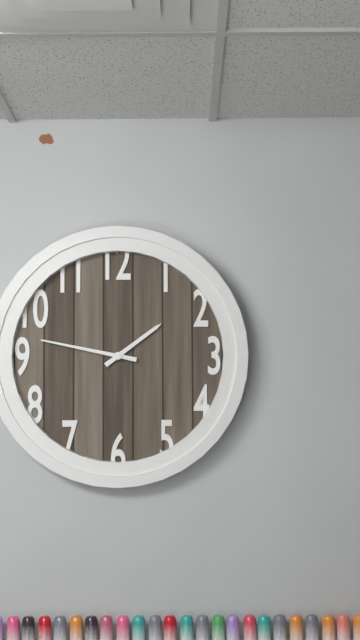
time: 1:47
